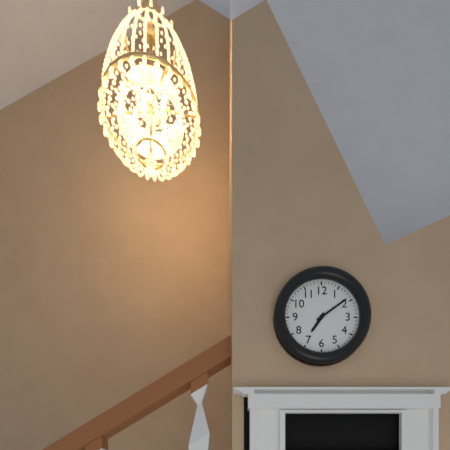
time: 7:09
